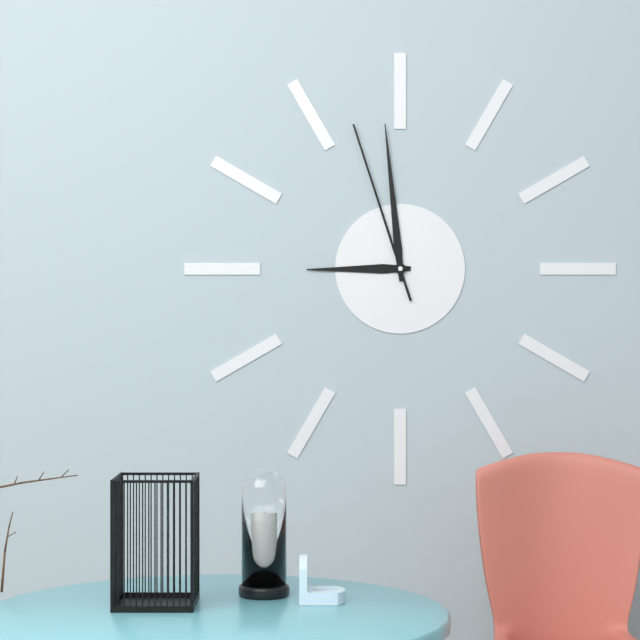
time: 8:59:57
